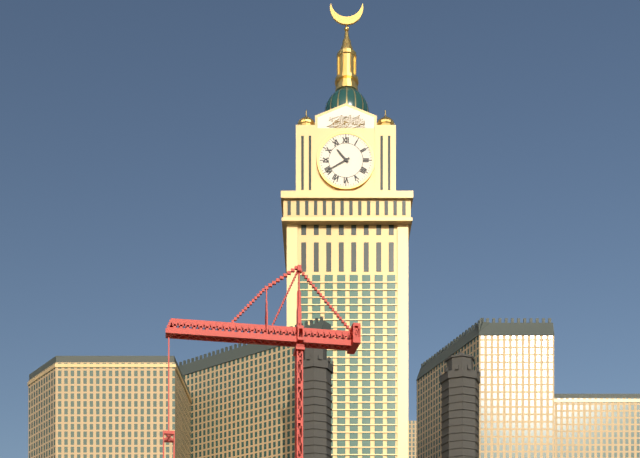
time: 10:40
